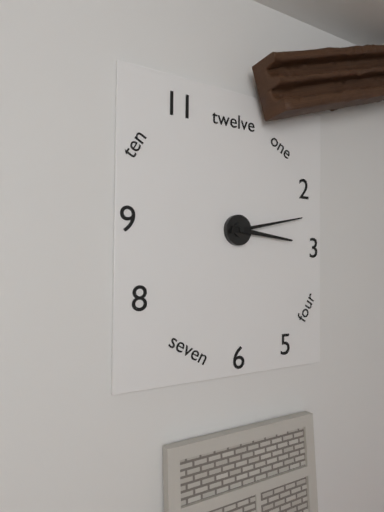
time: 3:13
